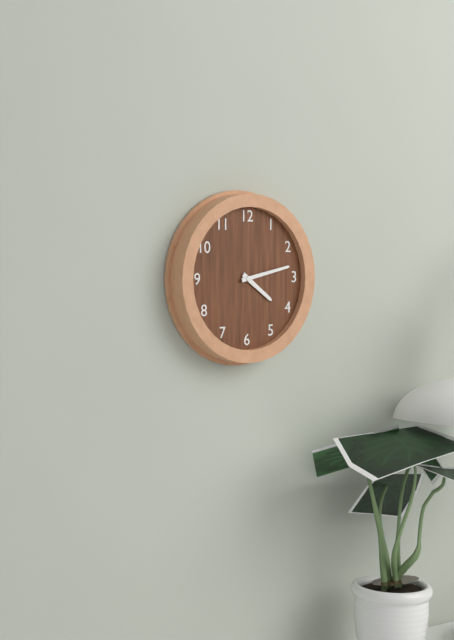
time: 4:13
